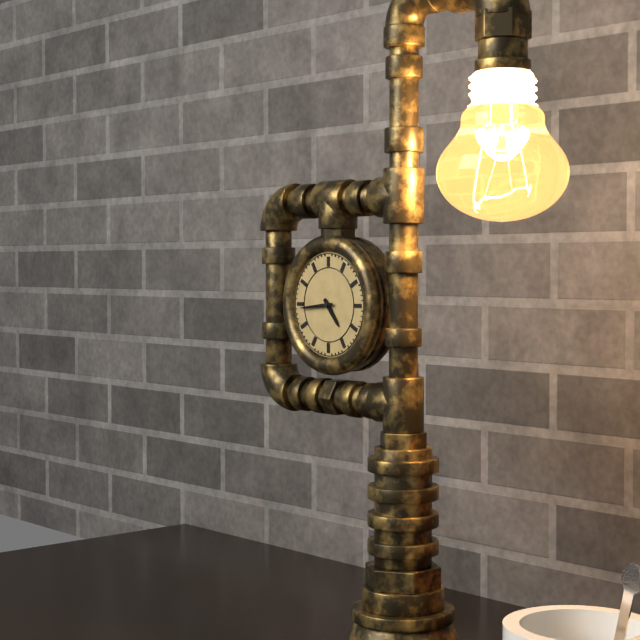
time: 4:44
